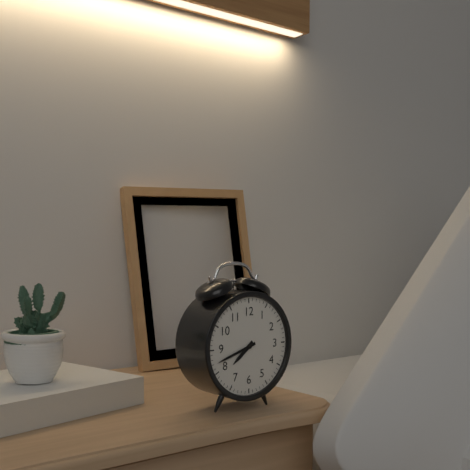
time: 7:42
